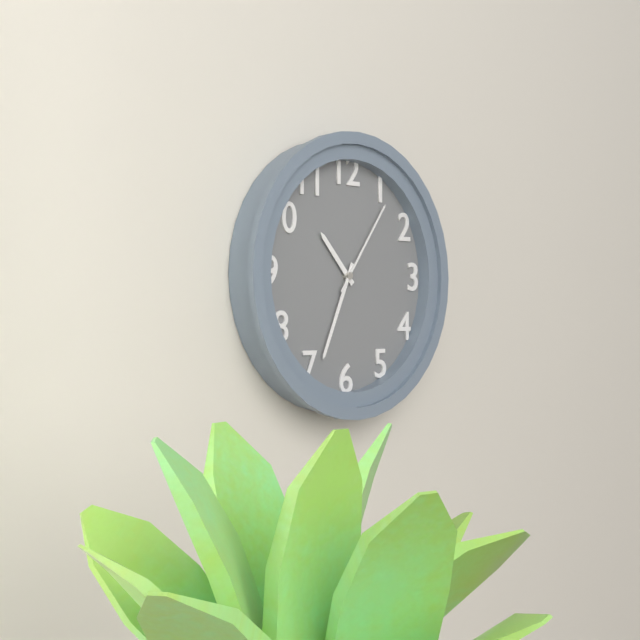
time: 10:34:06
